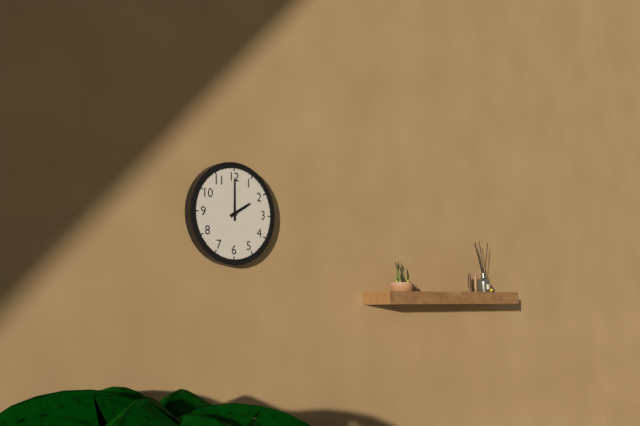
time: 2:00
